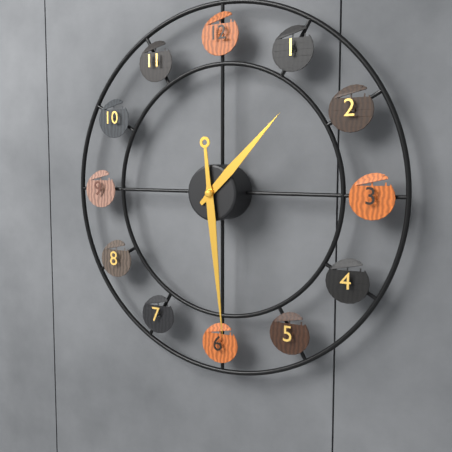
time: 1:29
